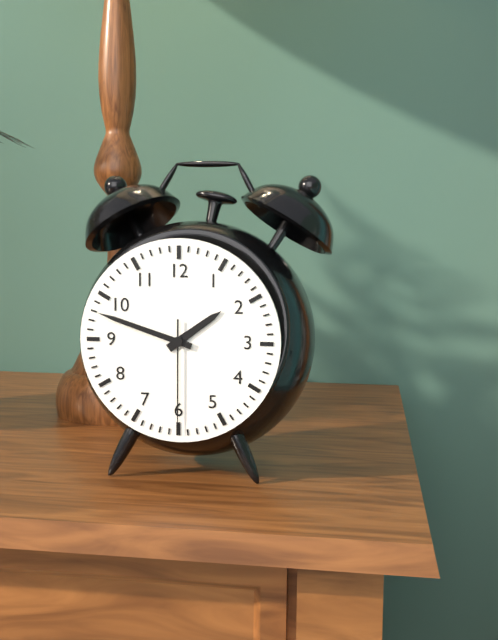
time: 1:48:30
